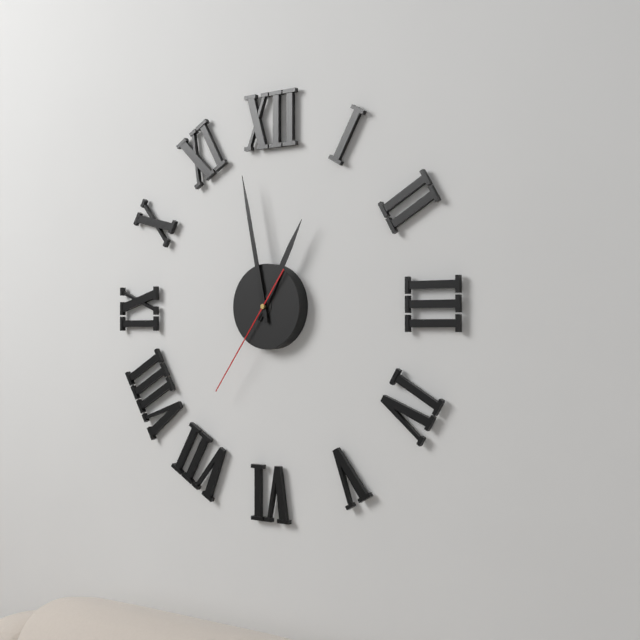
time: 12:58:36
